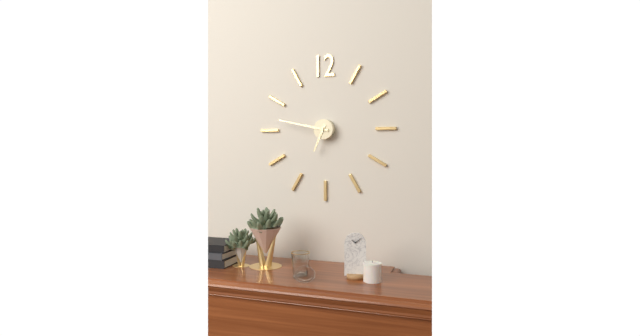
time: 6:47
